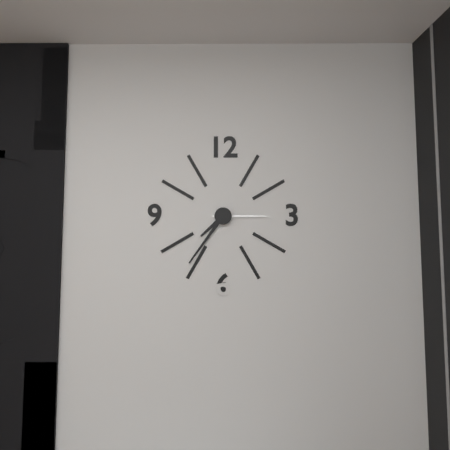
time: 7:36:15
